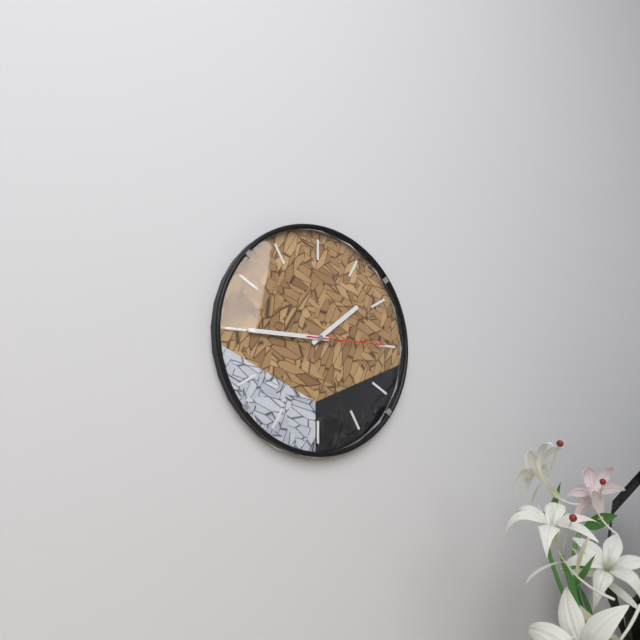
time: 1:45:15
